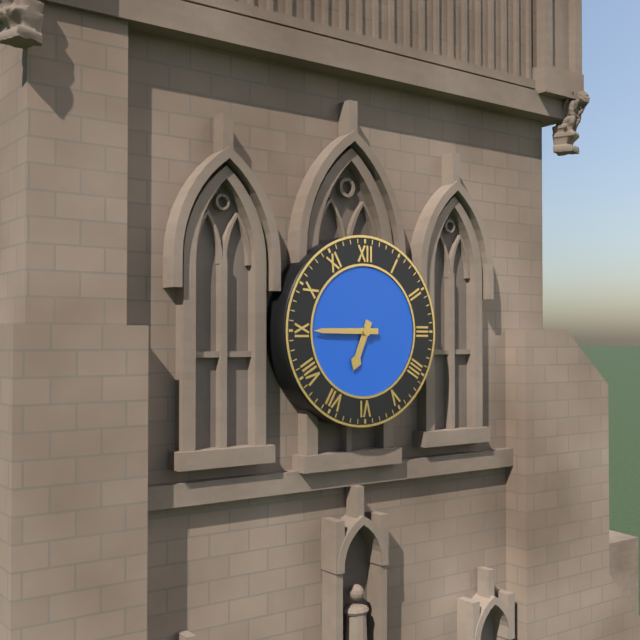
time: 6:45
